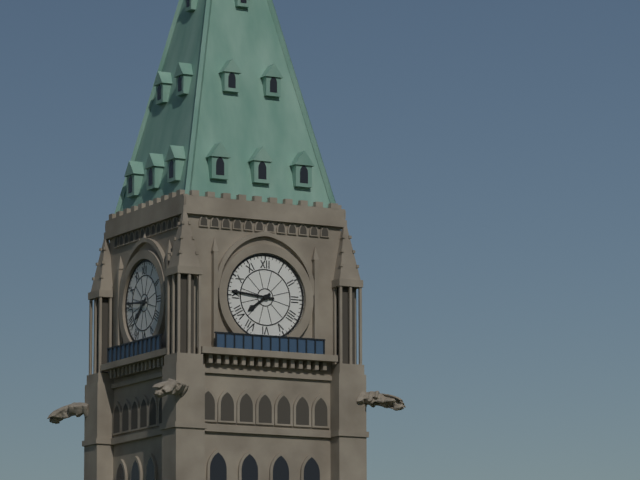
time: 7:46
